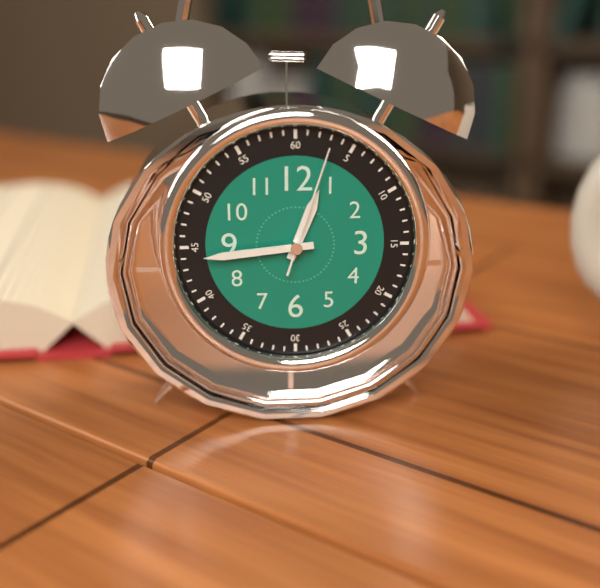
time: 12:44:03
